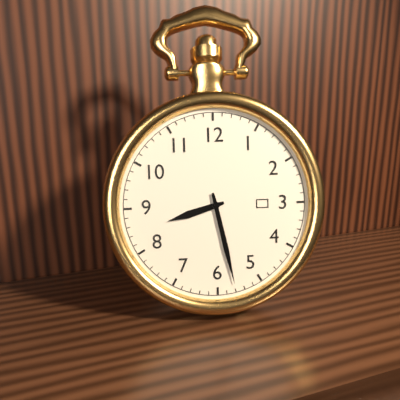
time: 8:28
